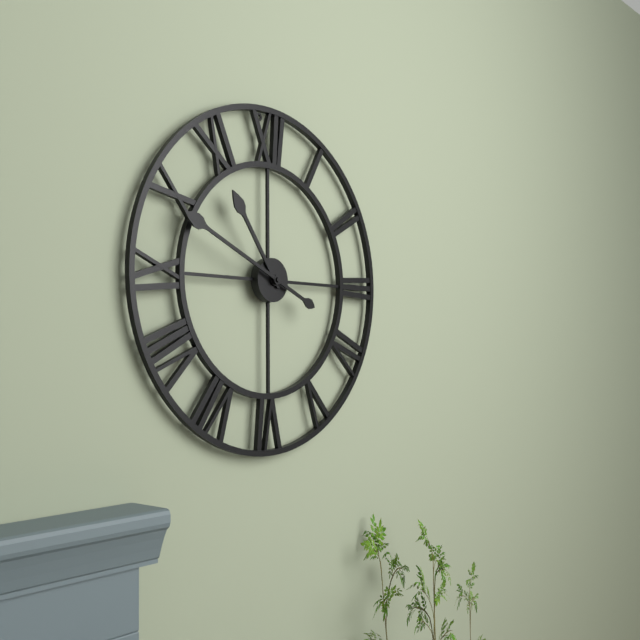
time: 10:49
